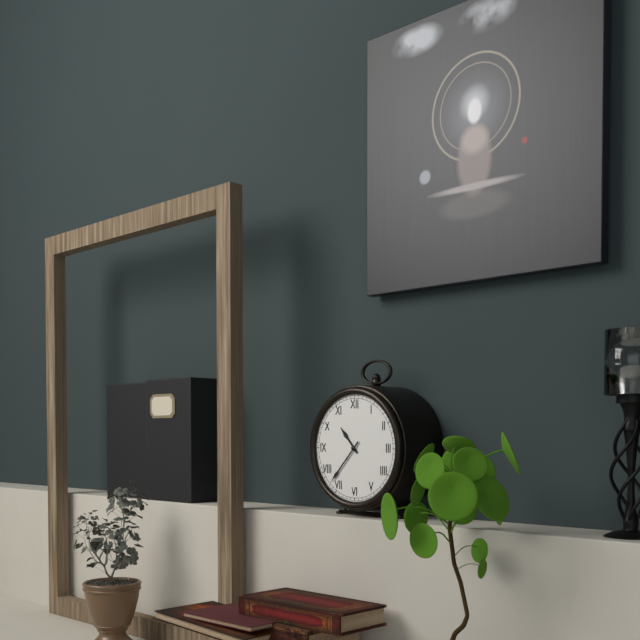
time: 10:37
